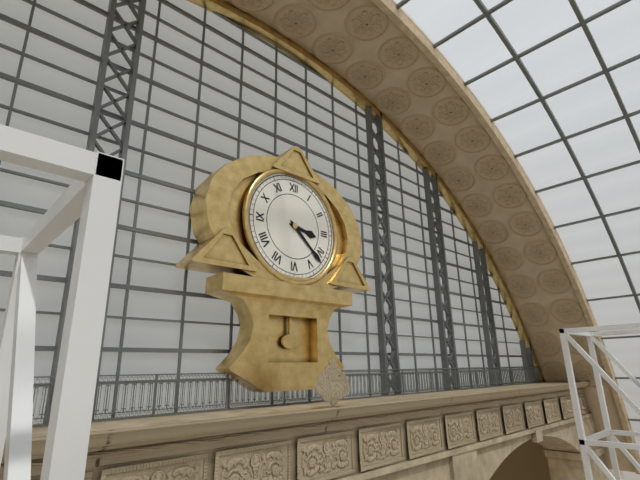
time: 3:22
